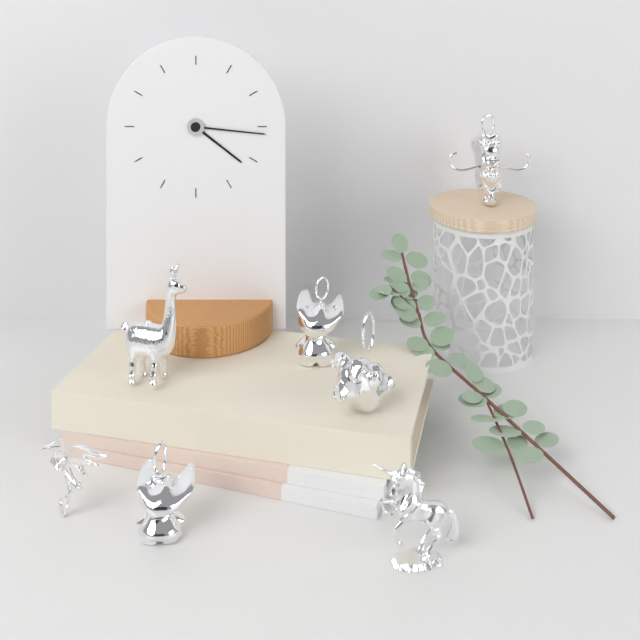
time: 4:16
